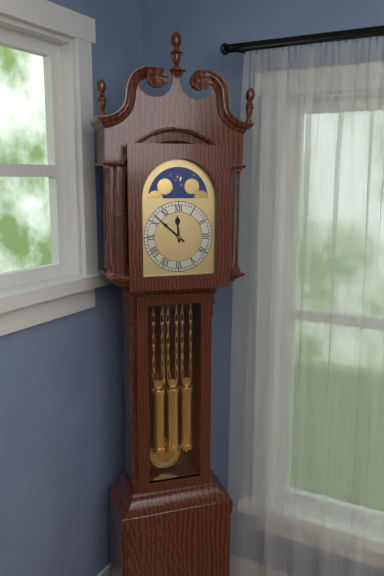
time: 11:52
